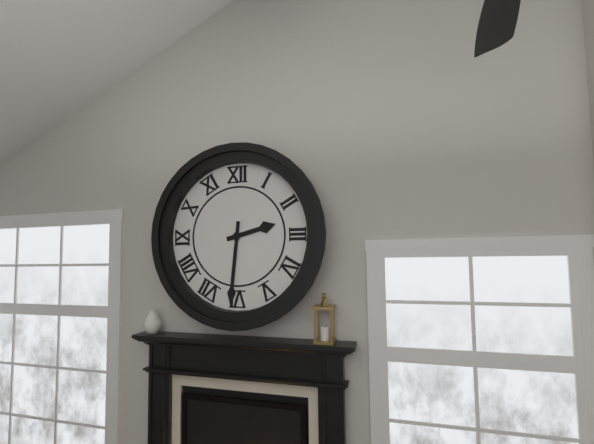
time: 2:31
